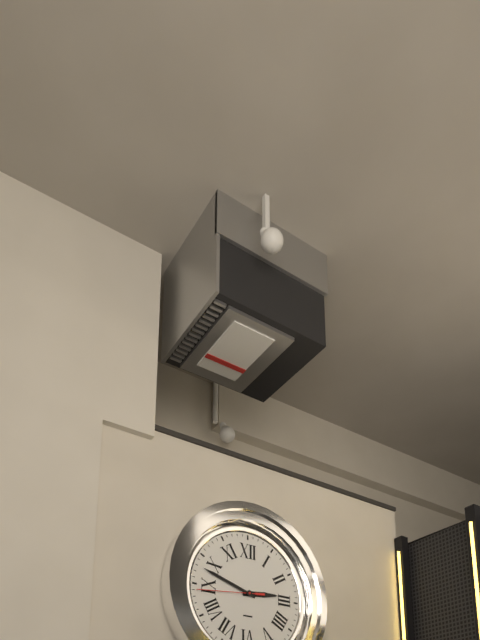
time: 2:48:44
